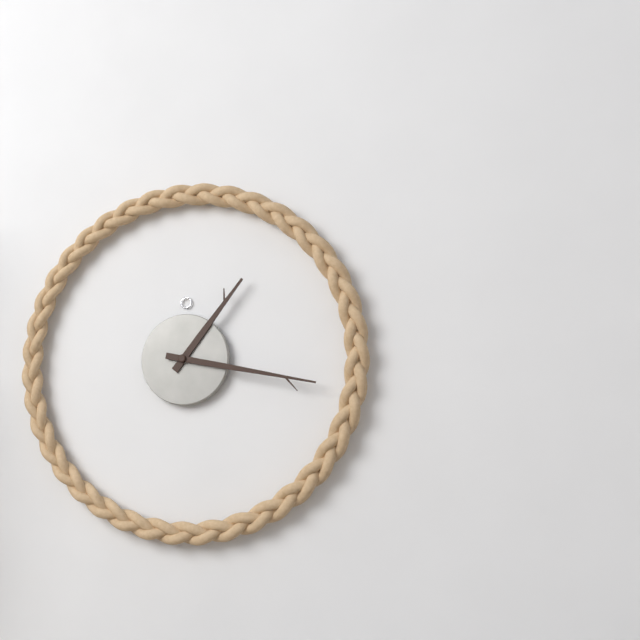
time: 1:17
